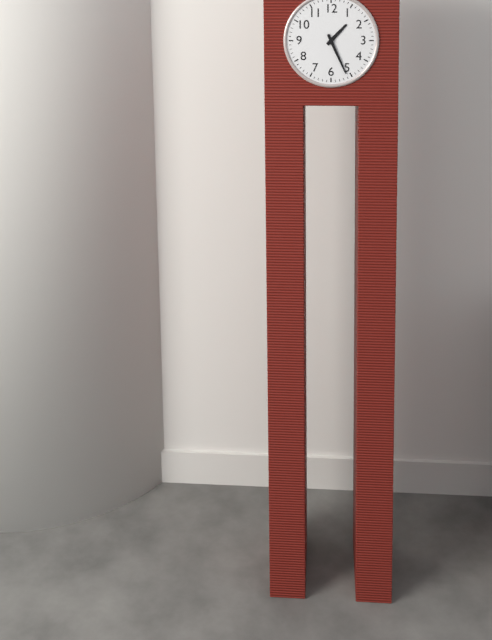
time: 1:26
